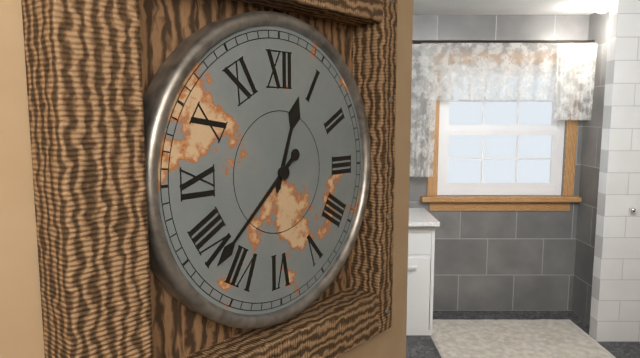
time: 12:38
